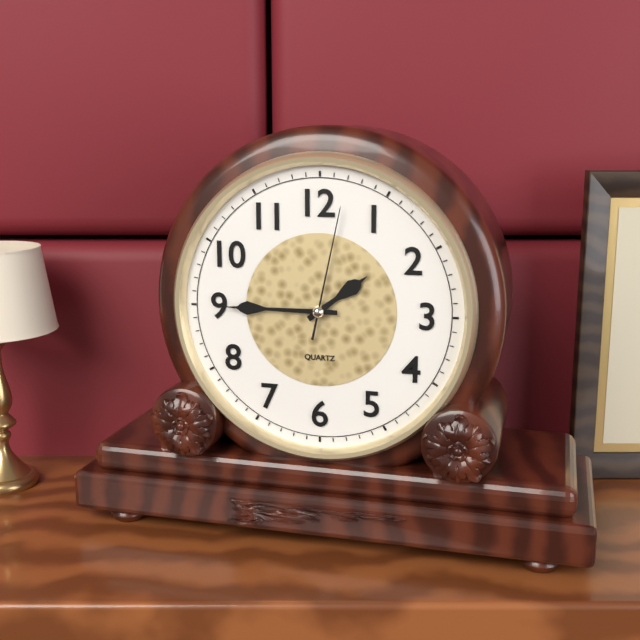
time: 1:45:02
